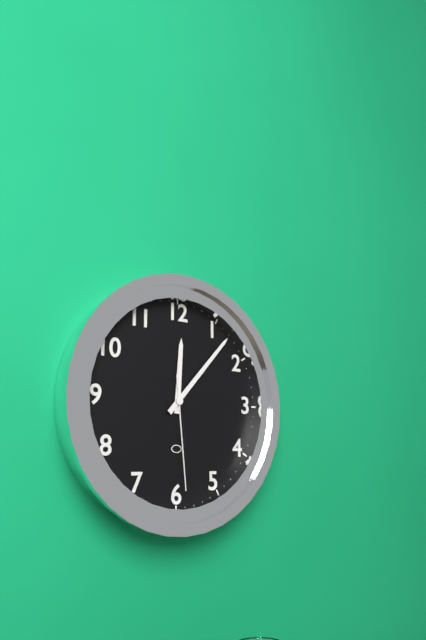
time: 12:07:29
